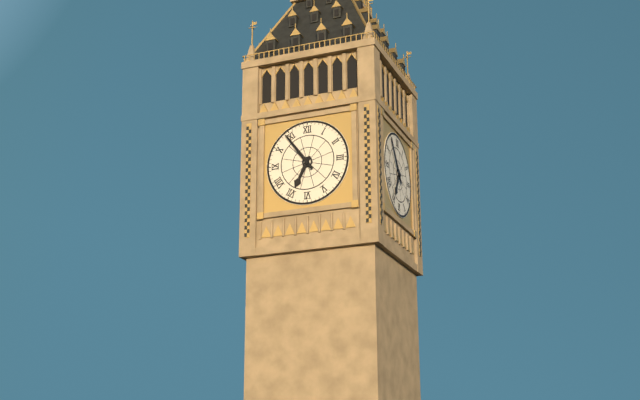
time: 6:54
